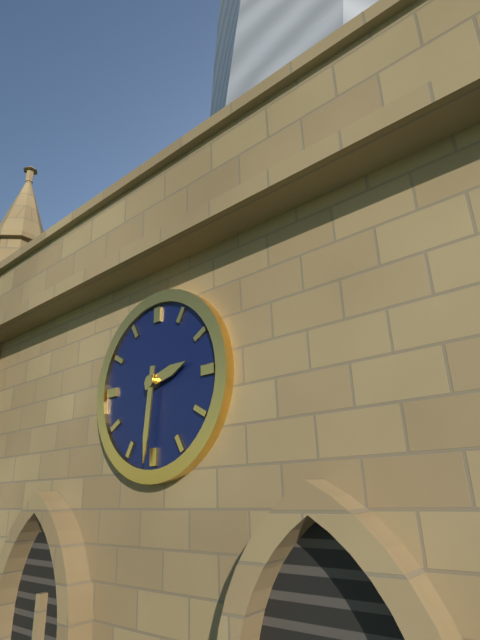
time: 2:31
